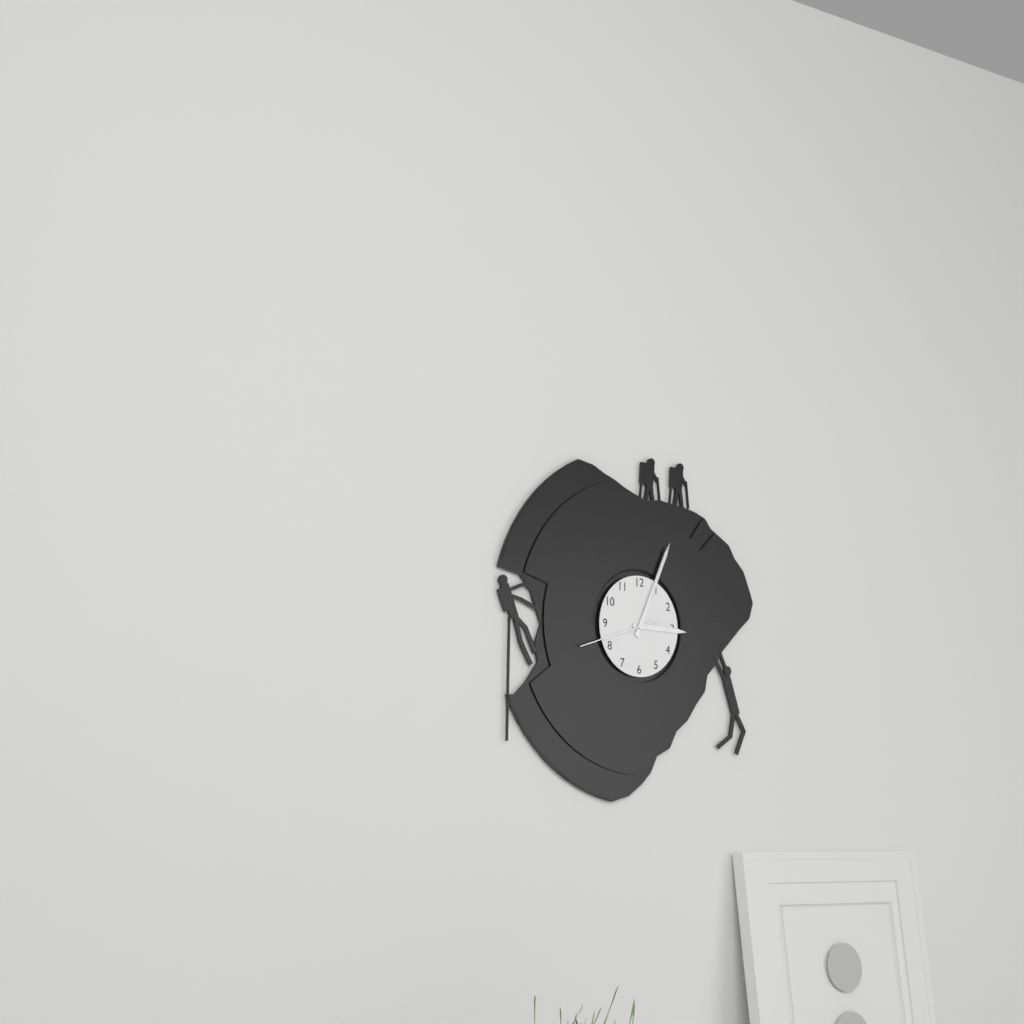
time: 3:04:42
